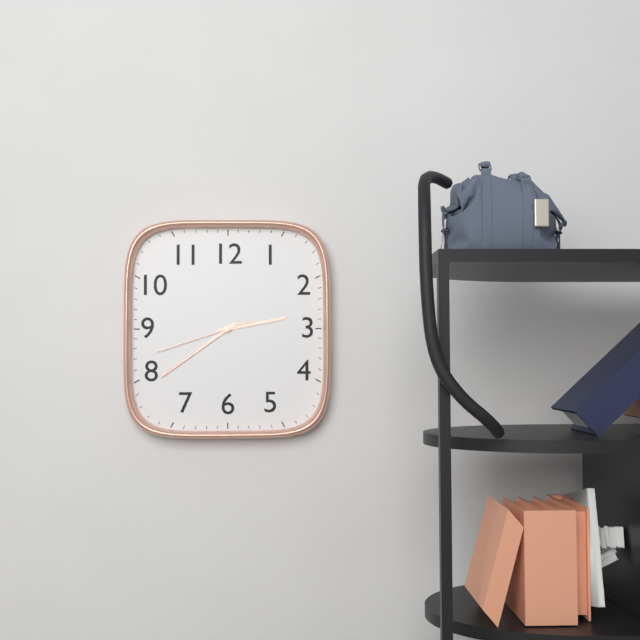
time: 2:39:42
